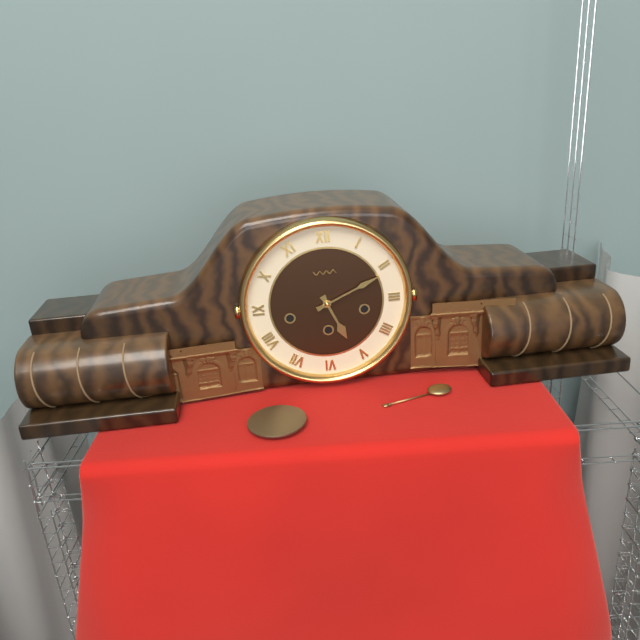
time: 5:11
